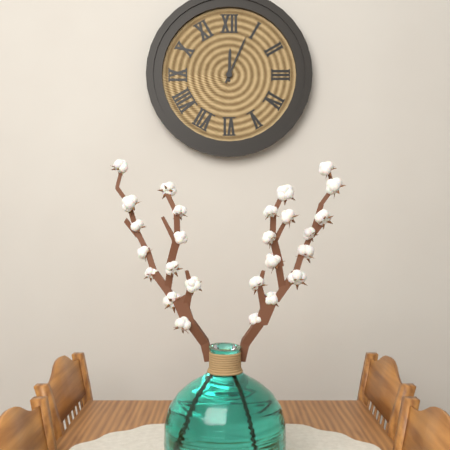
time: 12:04
